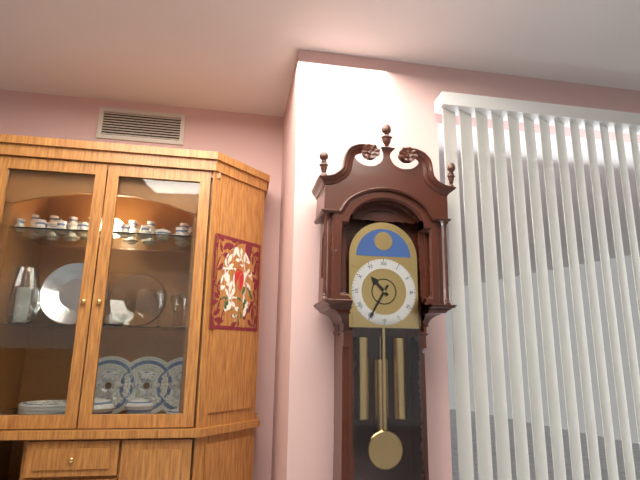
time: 10:35
